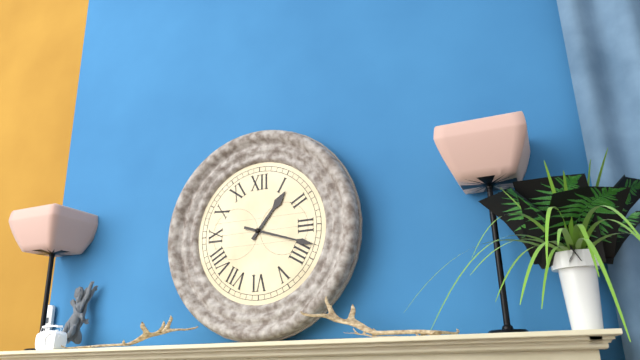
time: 1:18
